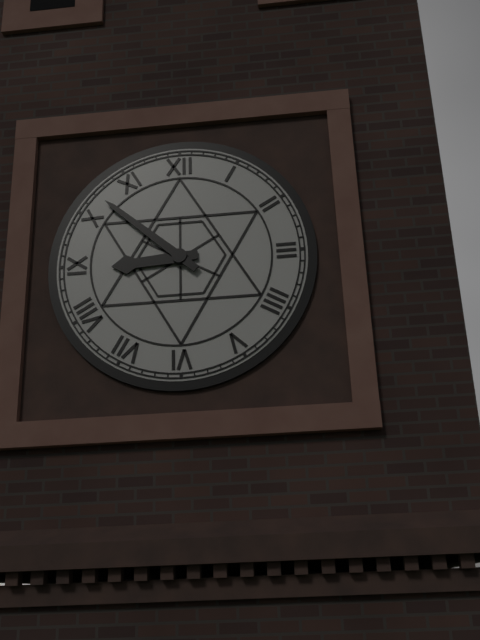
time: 8:52
